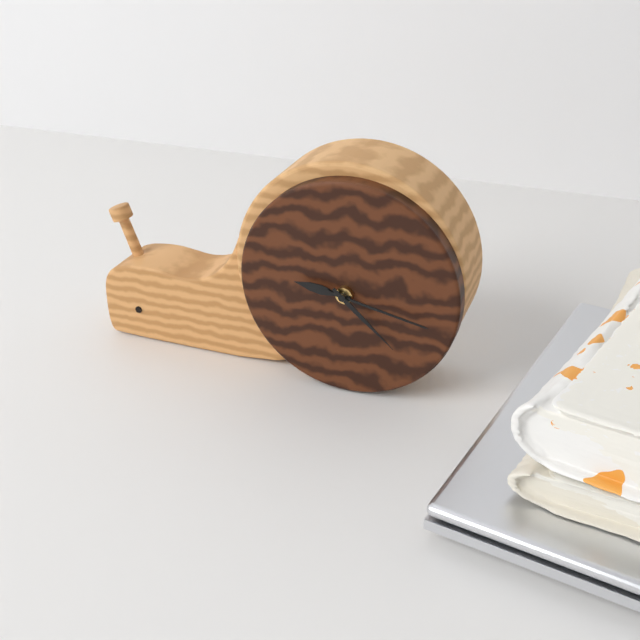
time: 9:17:22
